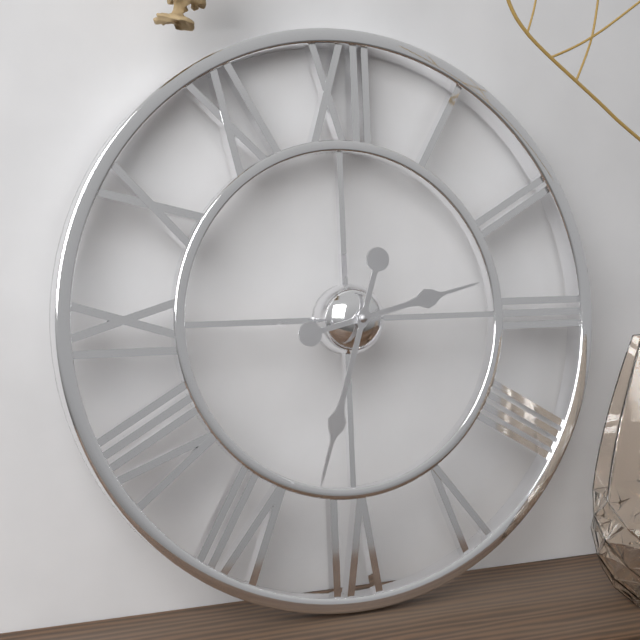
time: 2:33
